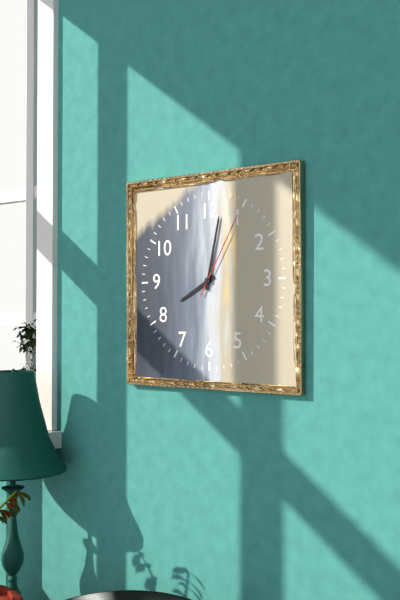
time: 8:02:05
